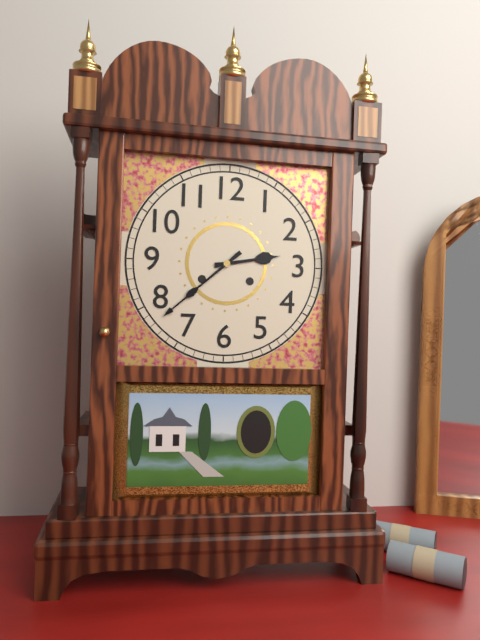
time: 2:38
